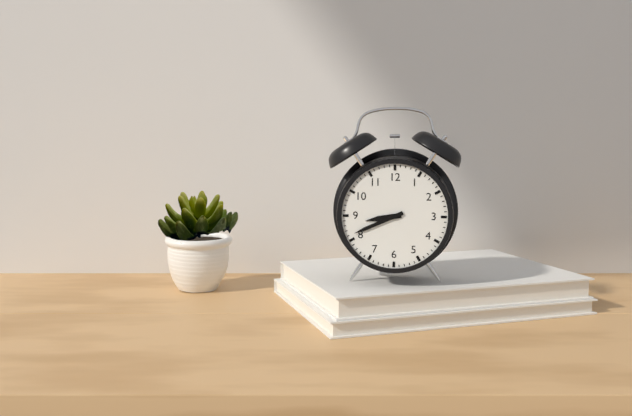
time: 8:41
